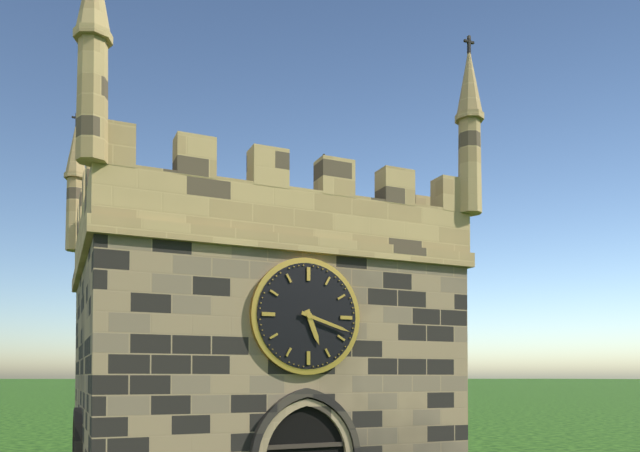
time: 5:18
